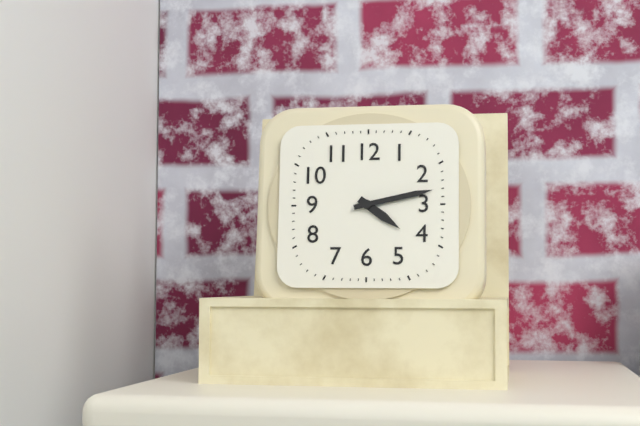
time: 4:13
